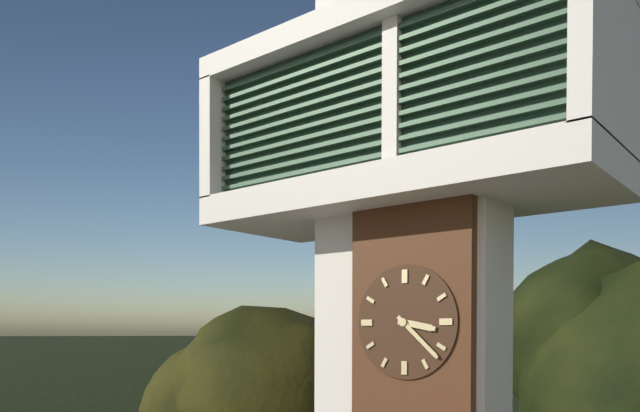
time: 3:22
